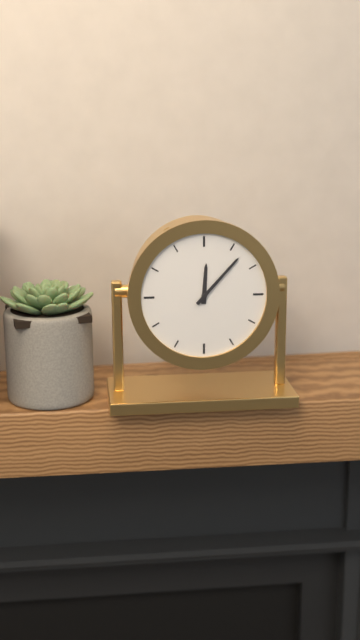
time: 12:07
